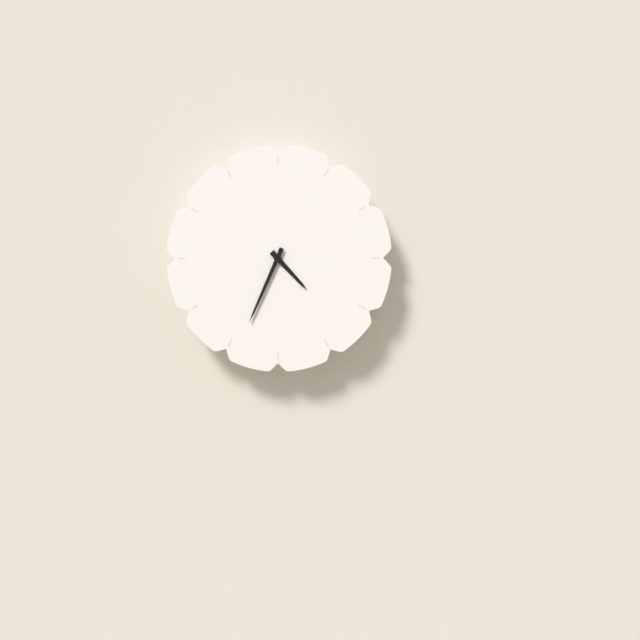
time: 4:34
